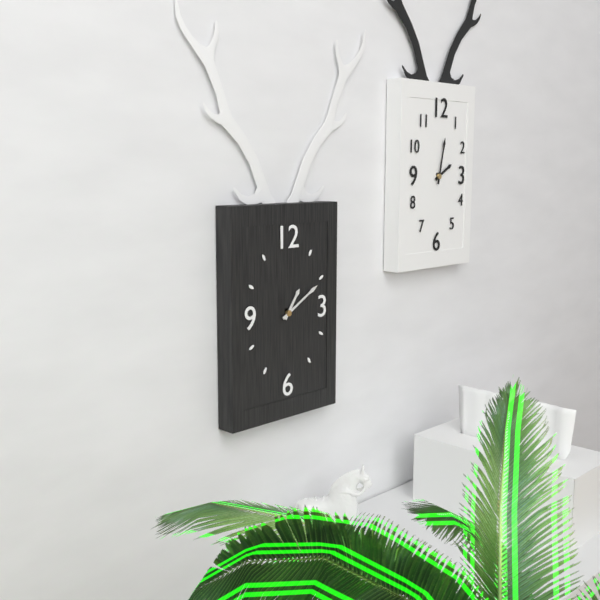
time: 1:10
